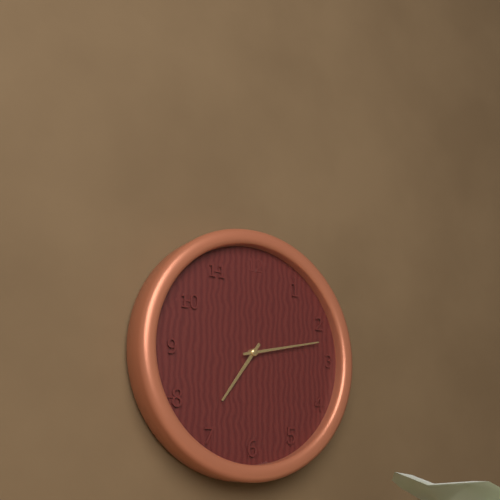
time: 7:13
